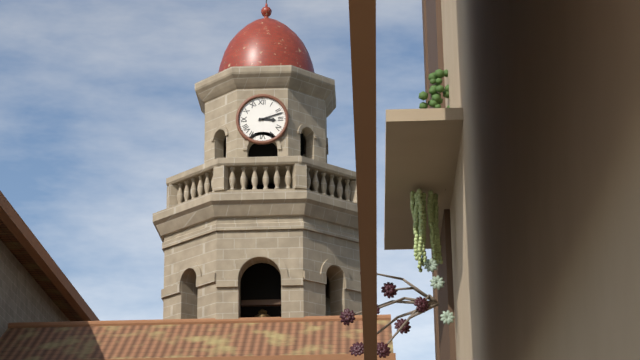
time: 3:12
